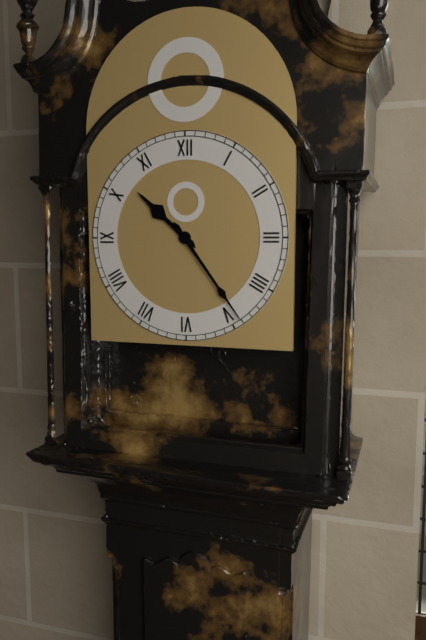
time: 10:24
